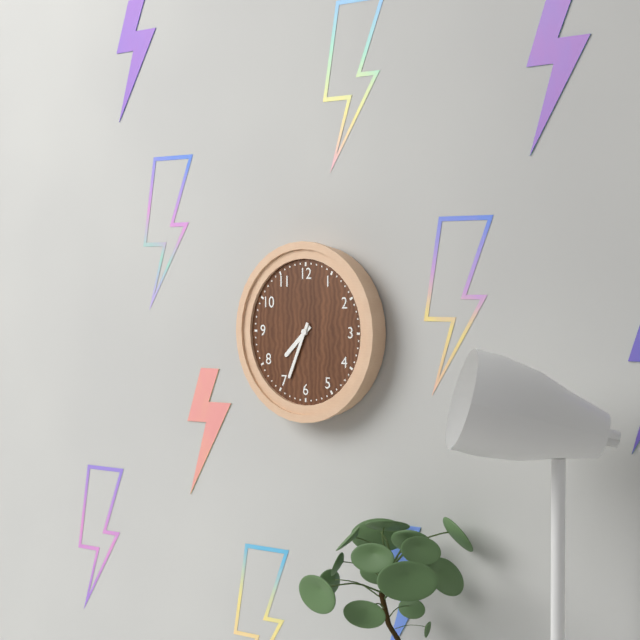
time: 7:34
